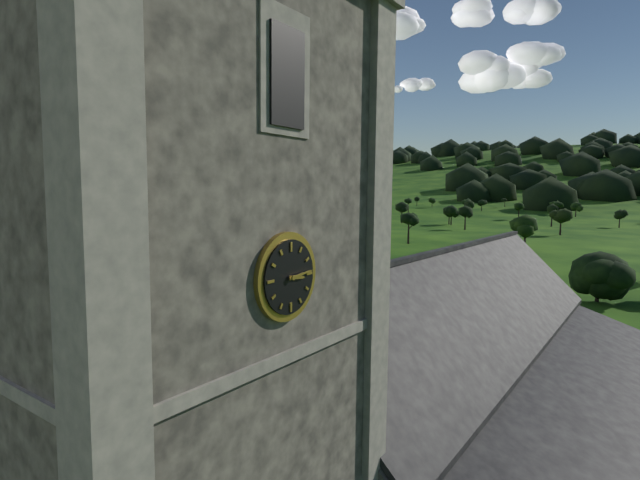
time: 3:14
